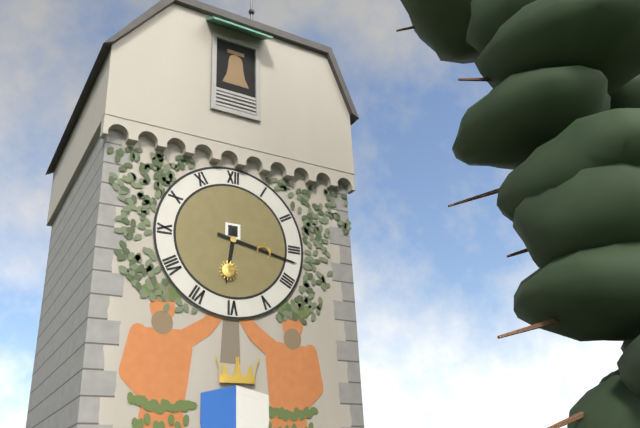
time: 6:17
